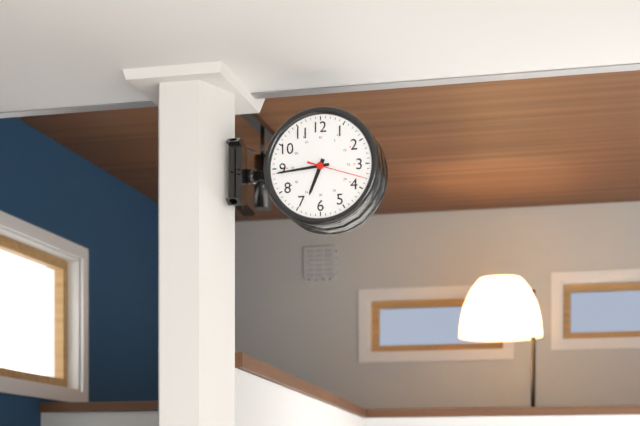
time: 6:44
